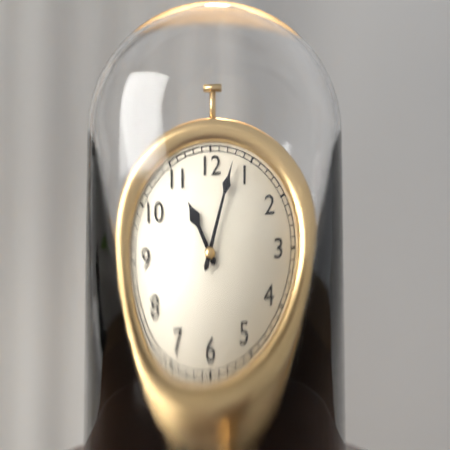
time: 11:03
